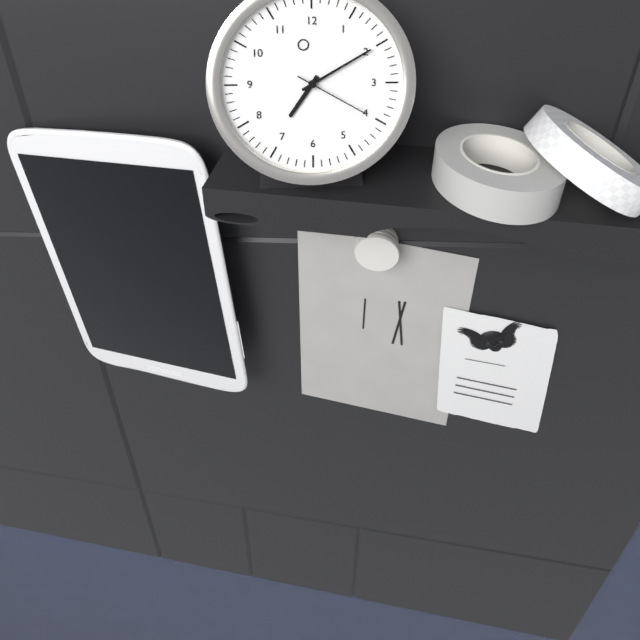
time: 7:10:20
